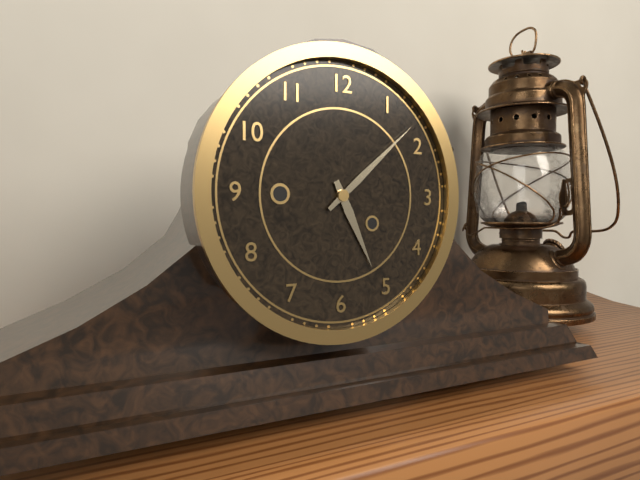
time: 5:08
